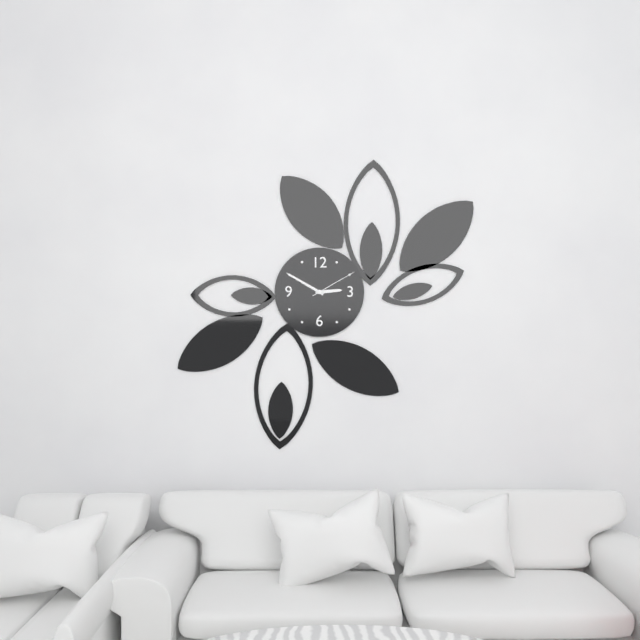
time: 2:50:10
